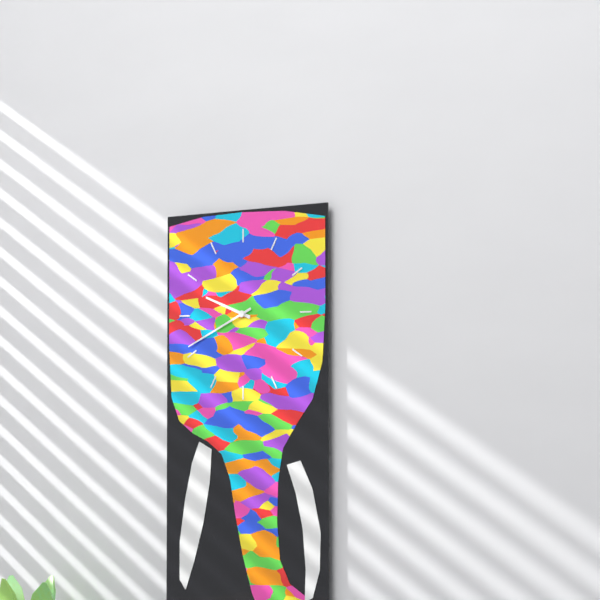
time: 9:41
